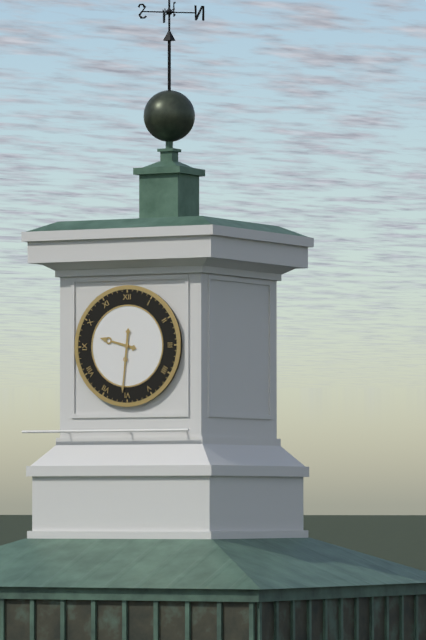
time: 9:31
